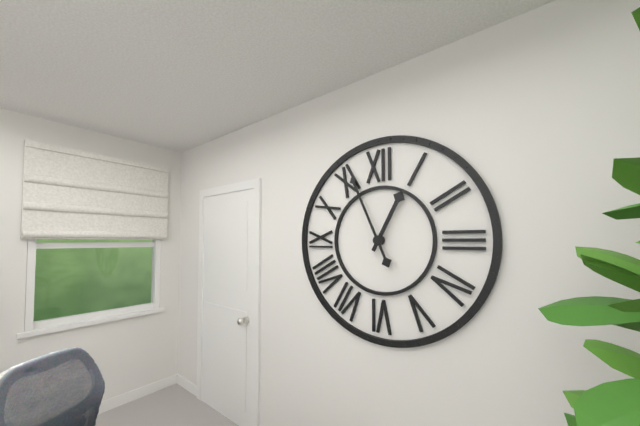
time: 12:56
